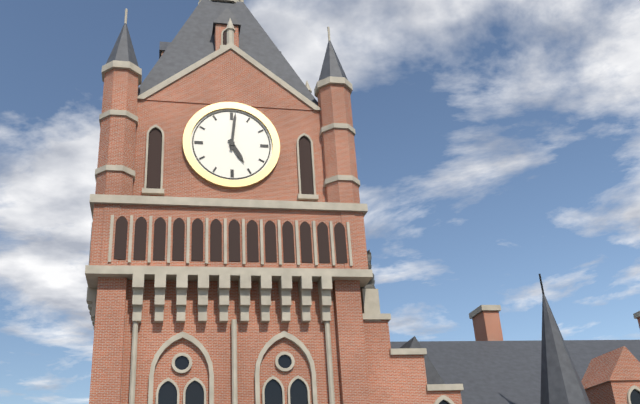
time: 5:01
